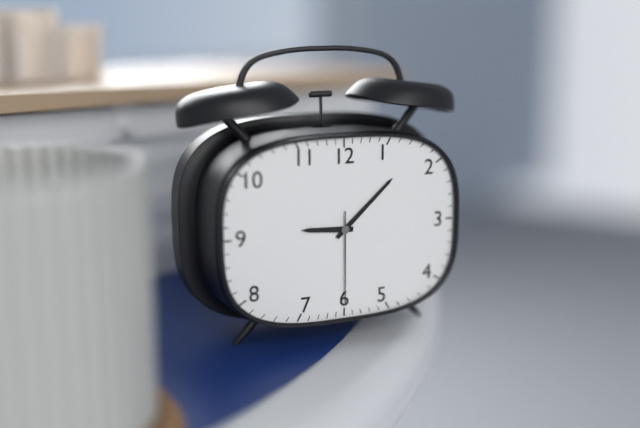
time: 9:08:30
